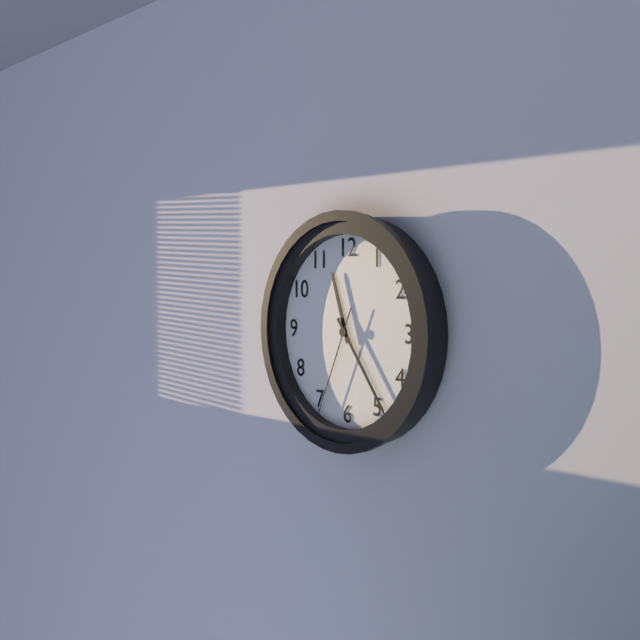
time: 11:24:34
